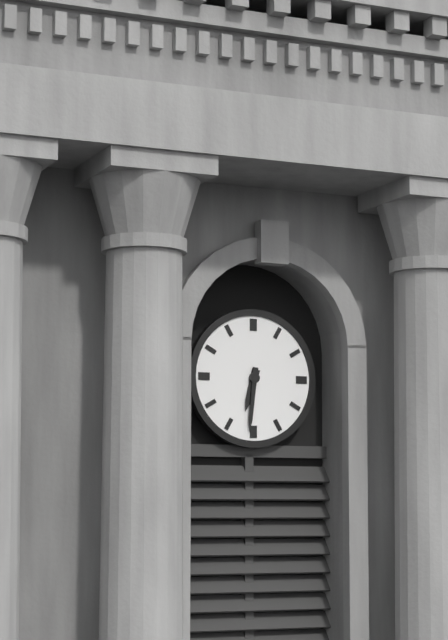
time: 6:31
